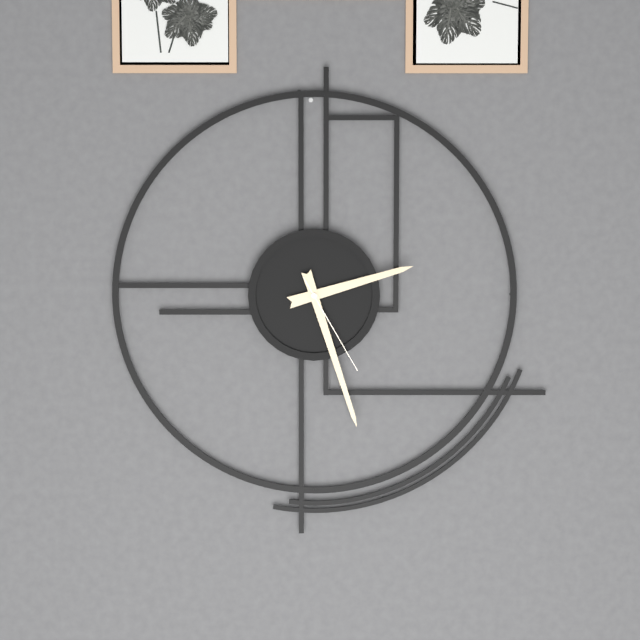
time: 2:27:25
